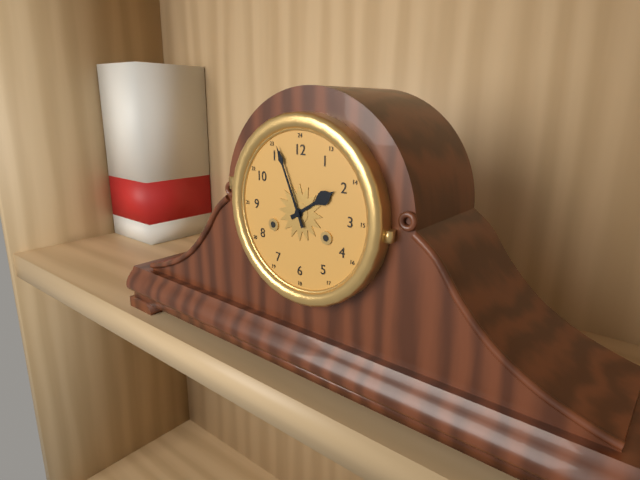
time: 1:56
